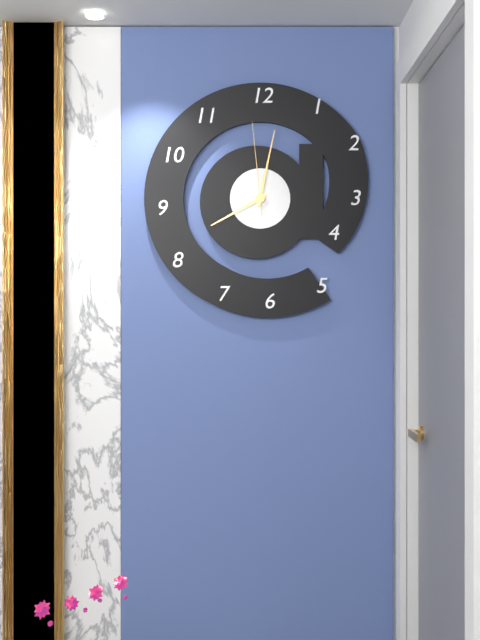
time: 8:02:59
